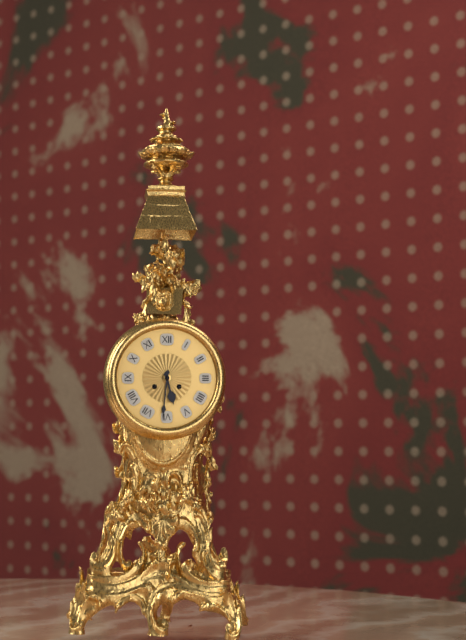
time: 5:31
